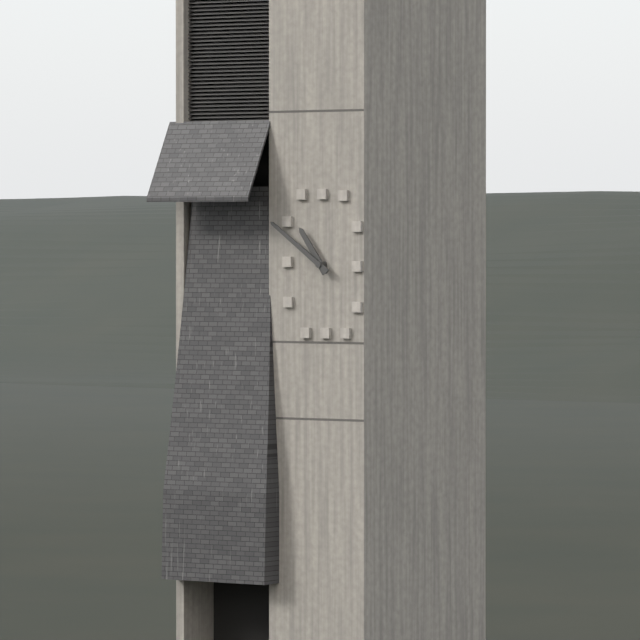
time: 10:51
